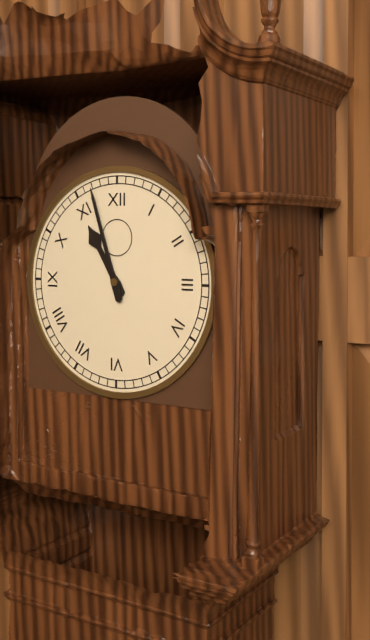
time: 10:57
